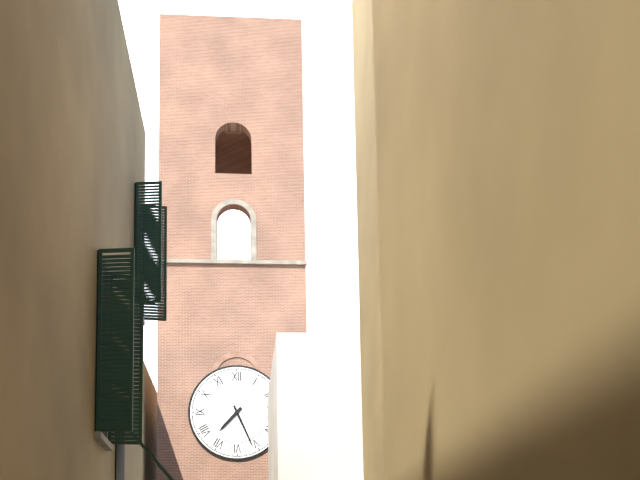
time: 7:26
